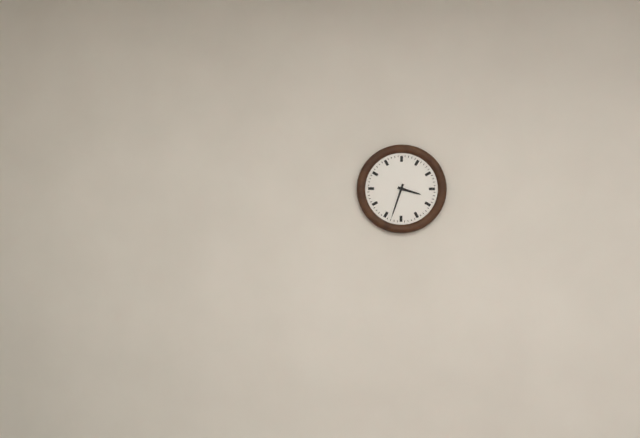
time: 3:33
